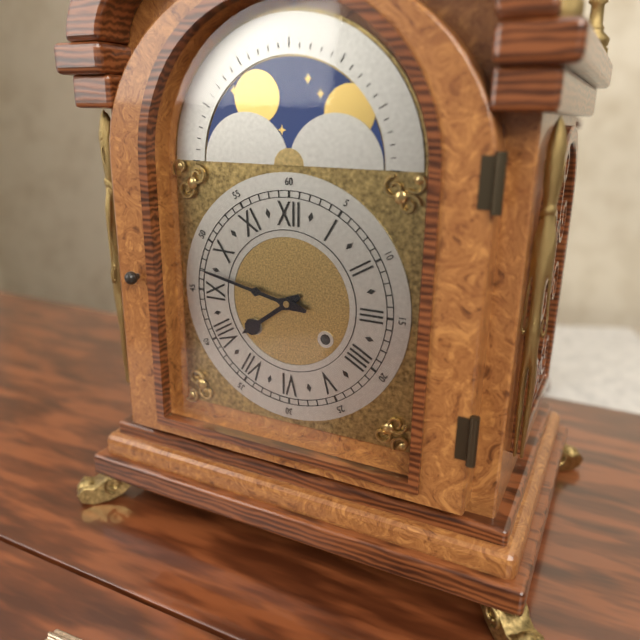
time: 7:47
